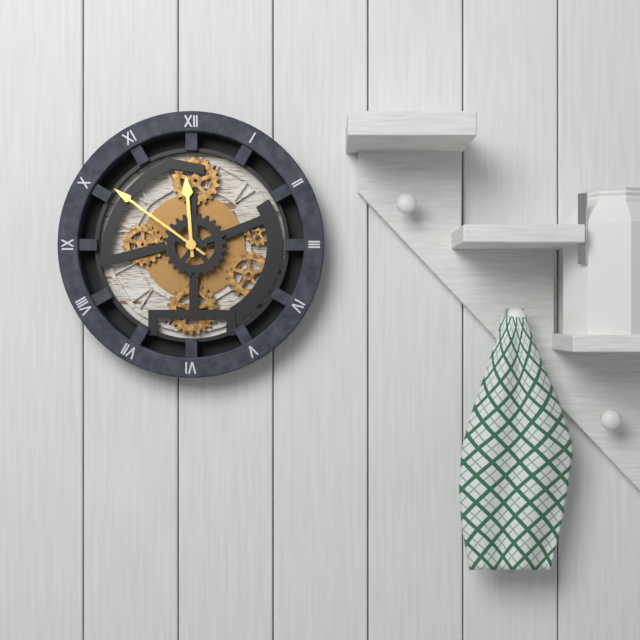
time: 11:51
